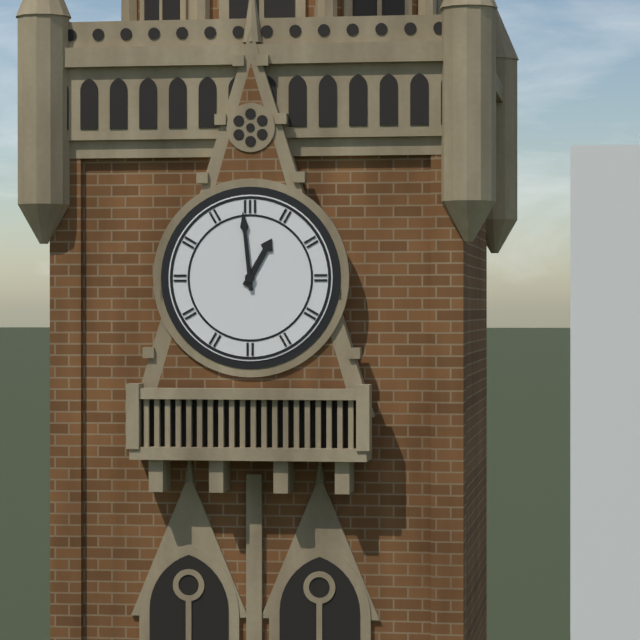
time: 12:59
